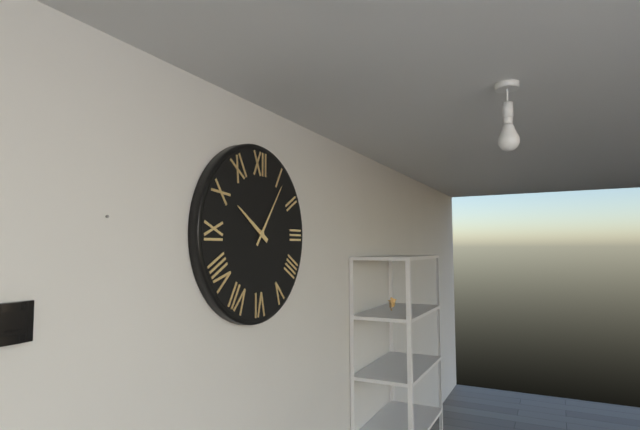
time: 10:06
